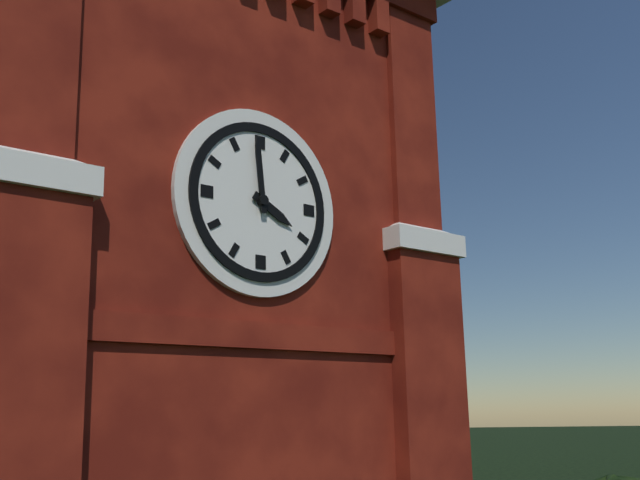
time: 3:59
